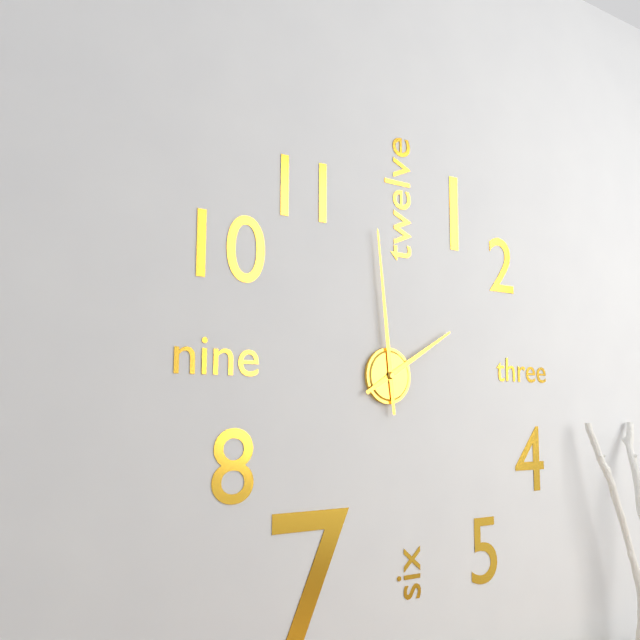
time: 1:59
